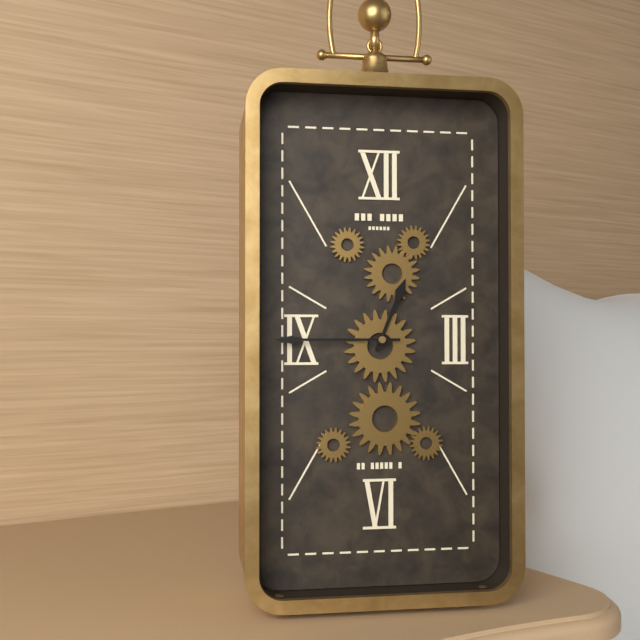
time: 12:45
